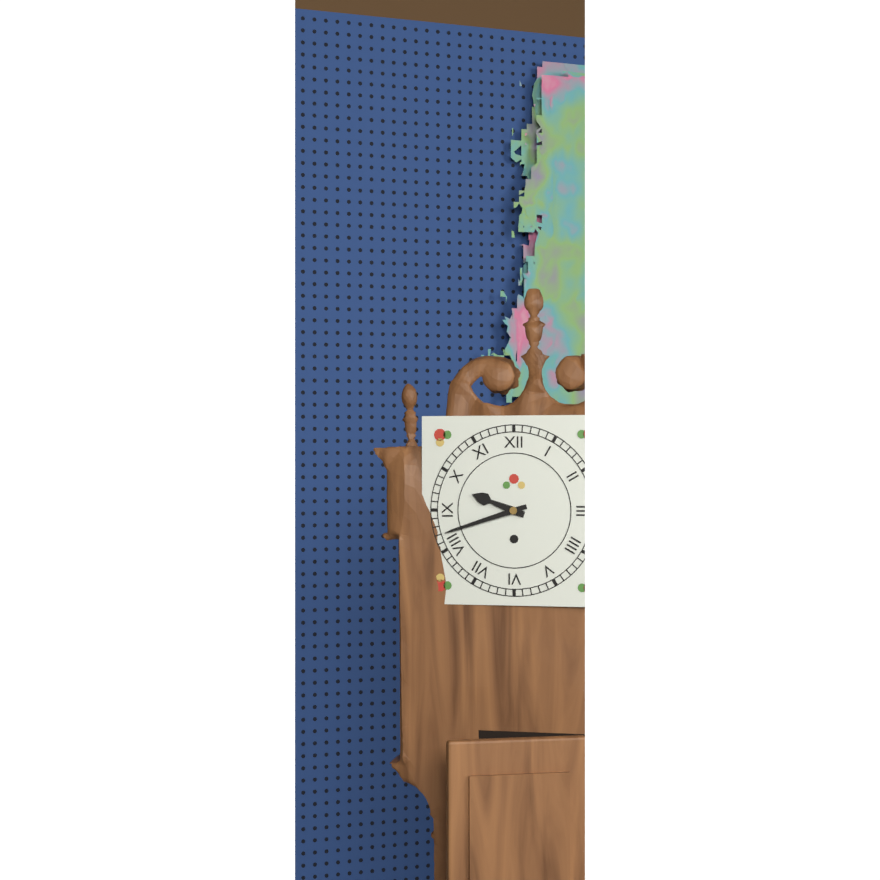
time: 9:42
